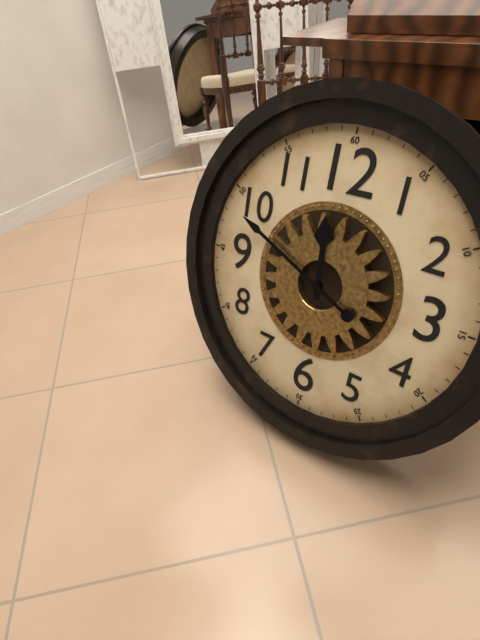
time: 11:49
